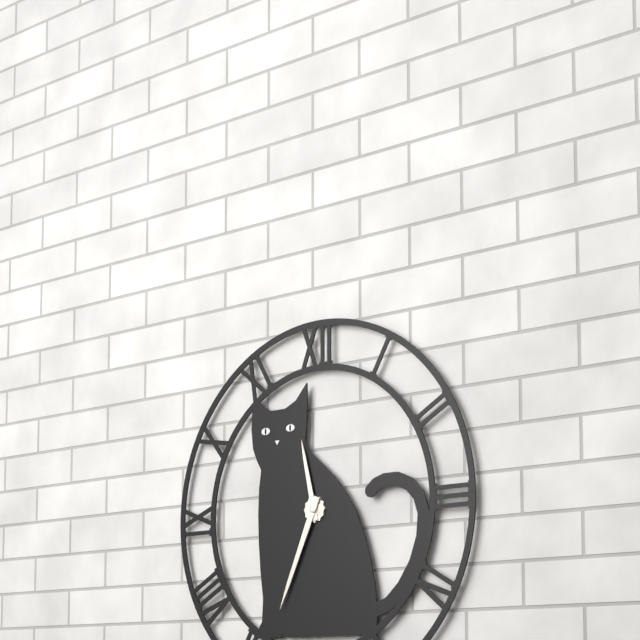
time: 11:34
